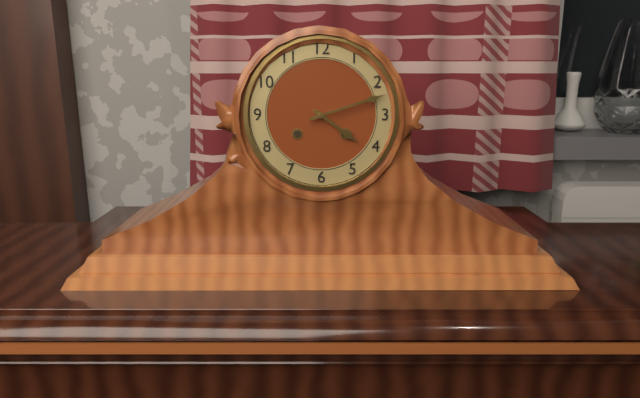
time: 4:12
